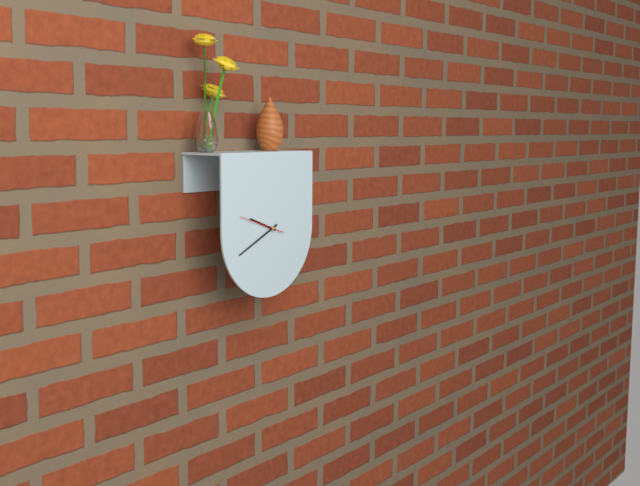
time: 9:41
